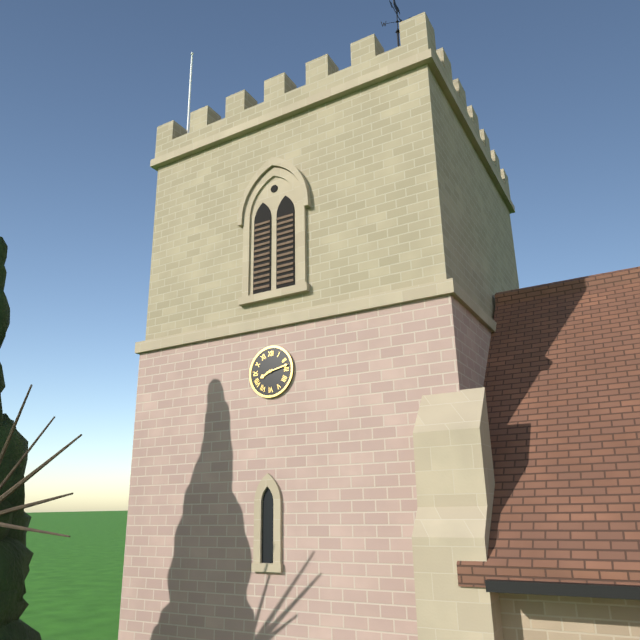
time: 8:13
